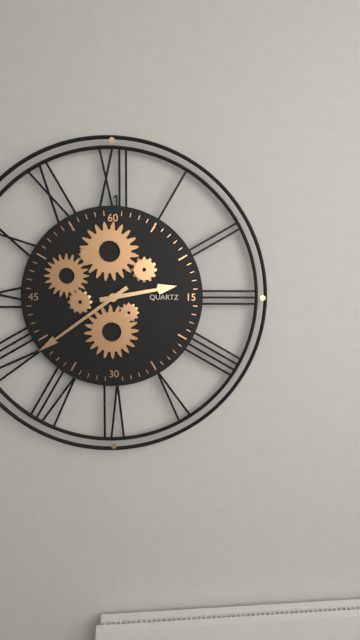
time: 2:39
